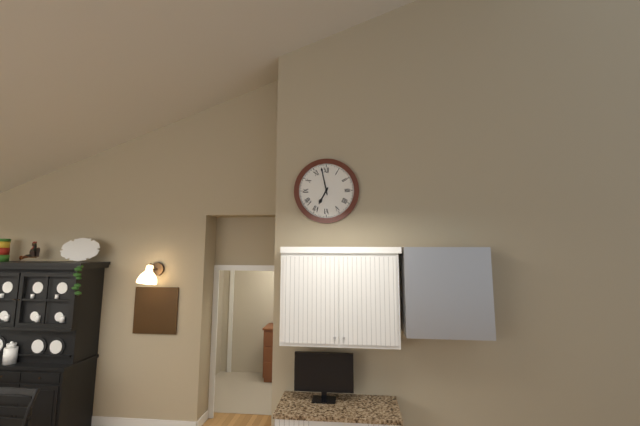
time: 6:58
